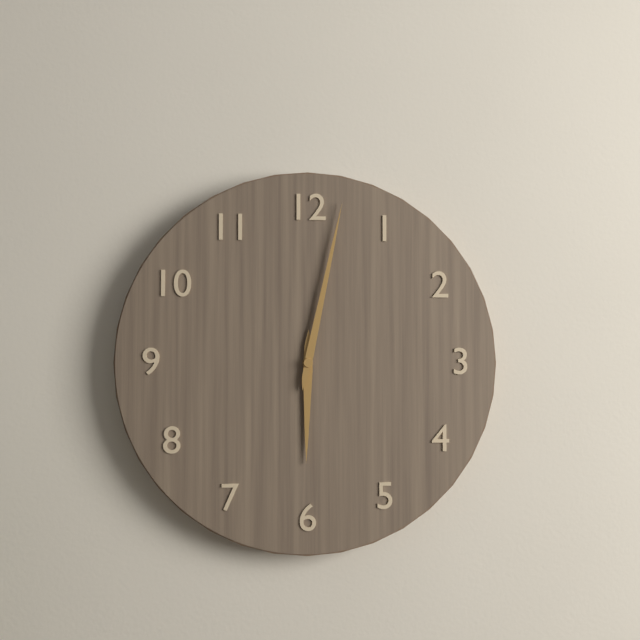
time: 6:02
